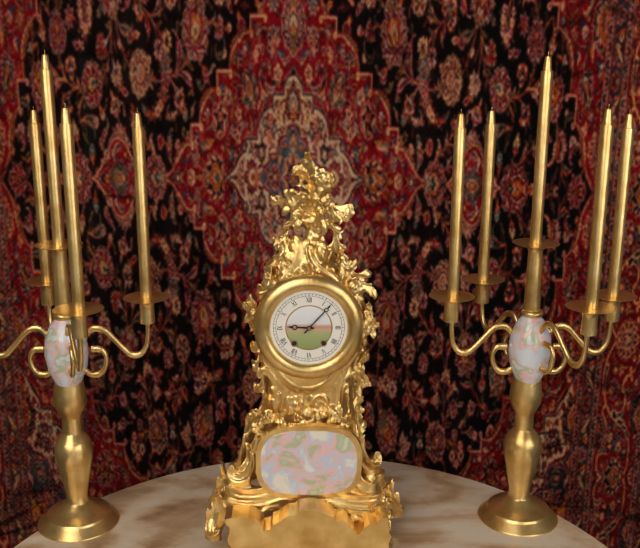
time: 9:07
